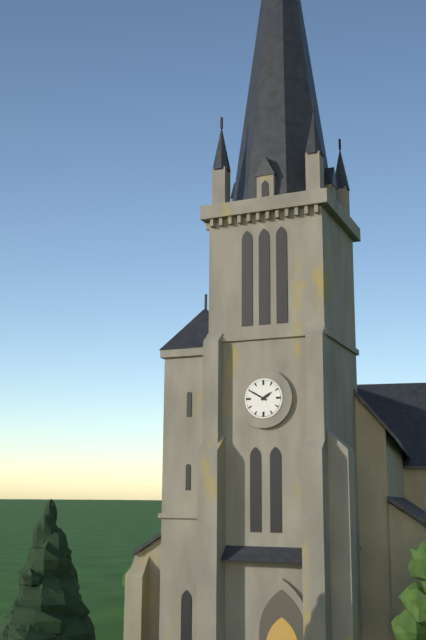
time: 1:50
